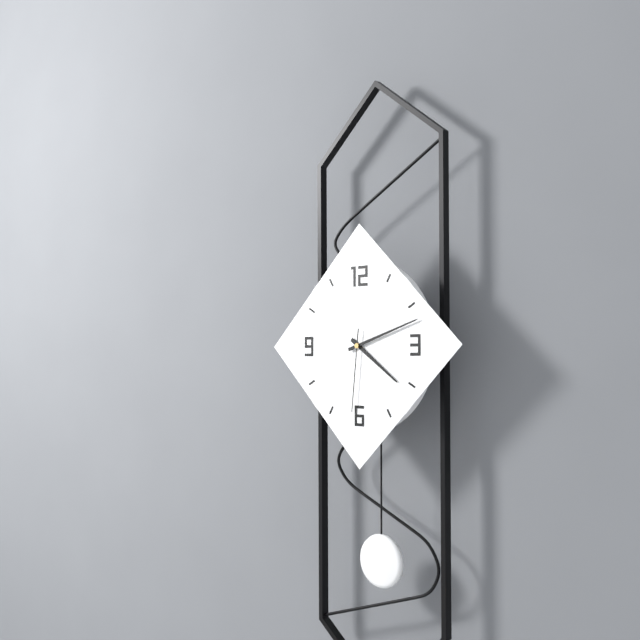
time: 4:12:31
